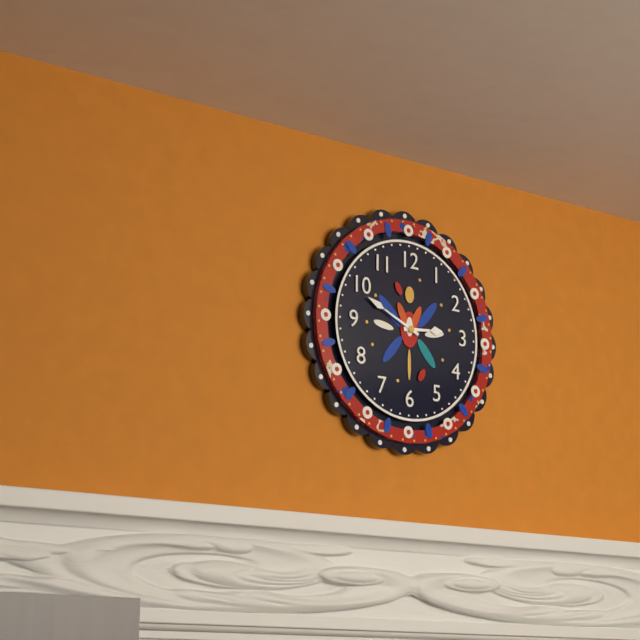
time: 2:49
